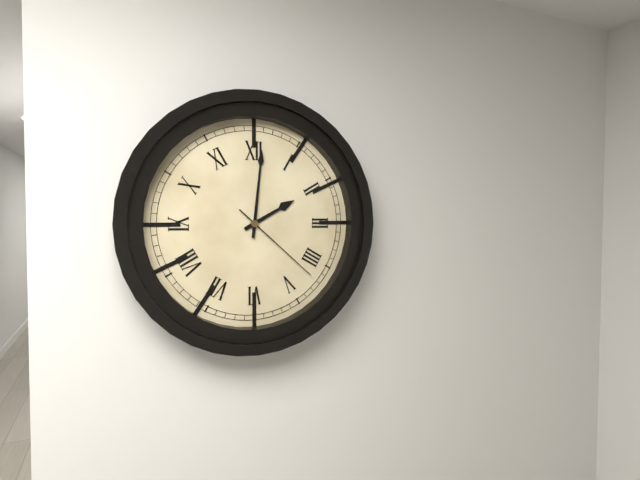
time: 2:01:22
